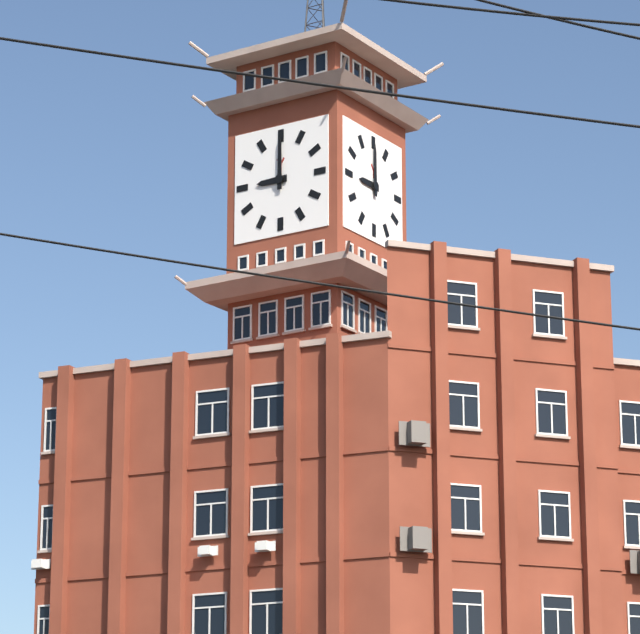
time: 9:00
